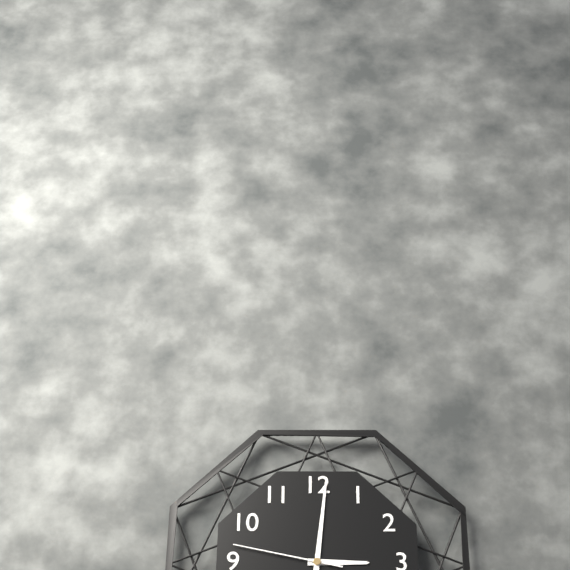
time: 3:01:47
